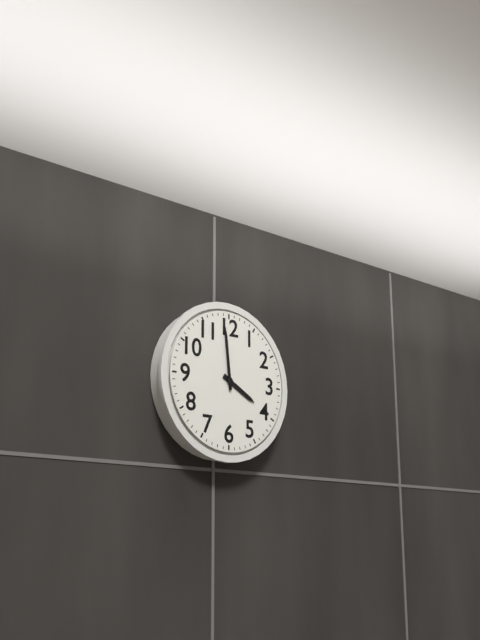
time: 3:59
